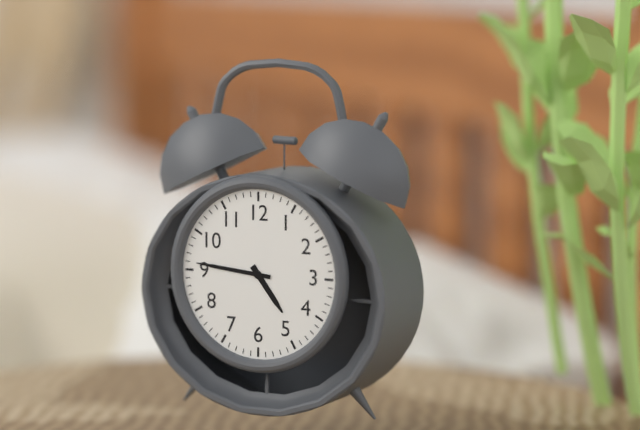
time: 4:46
